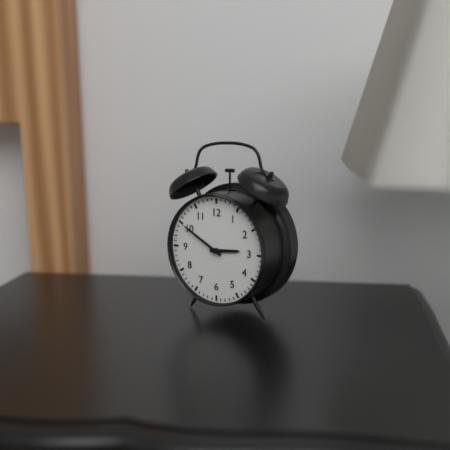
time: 2:50
